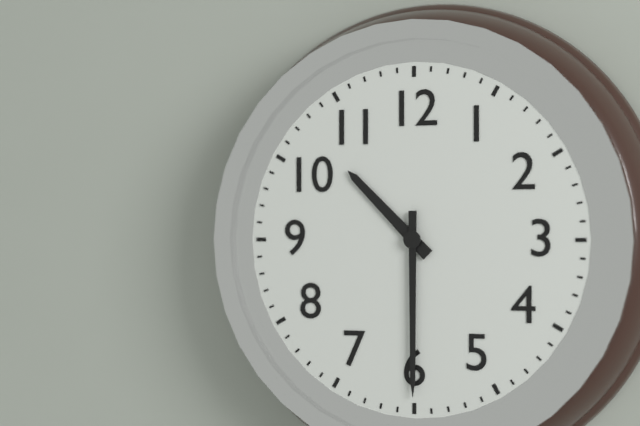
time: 10:30
